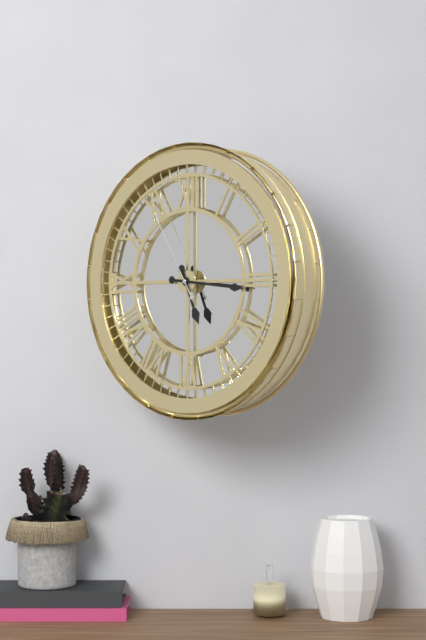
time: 5:16:55
